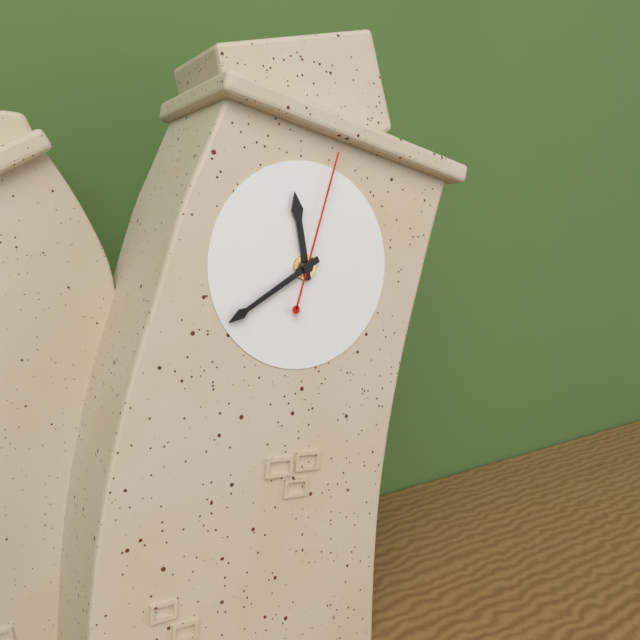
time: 11:40:03
